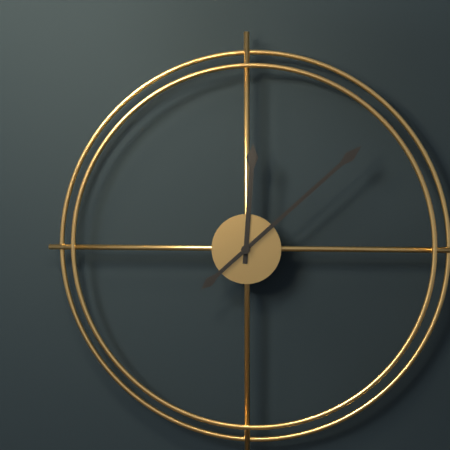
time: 12:08
